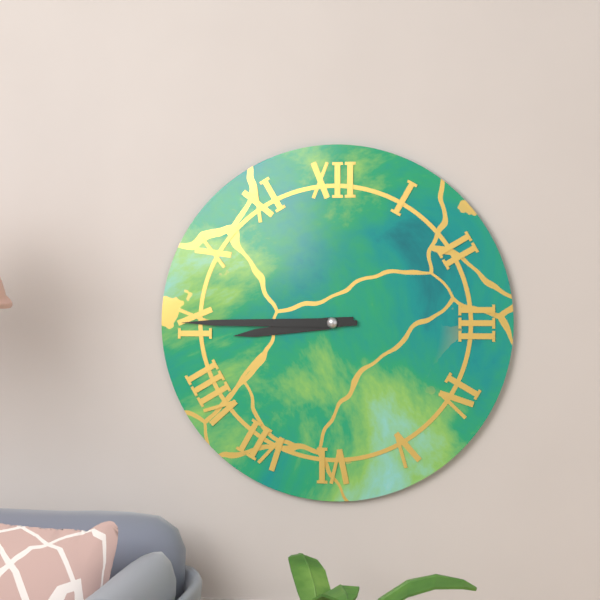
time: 8:45
